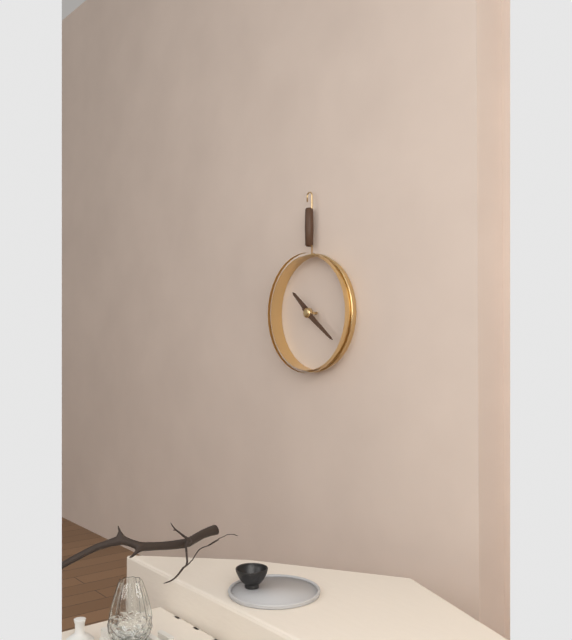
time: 10:21
